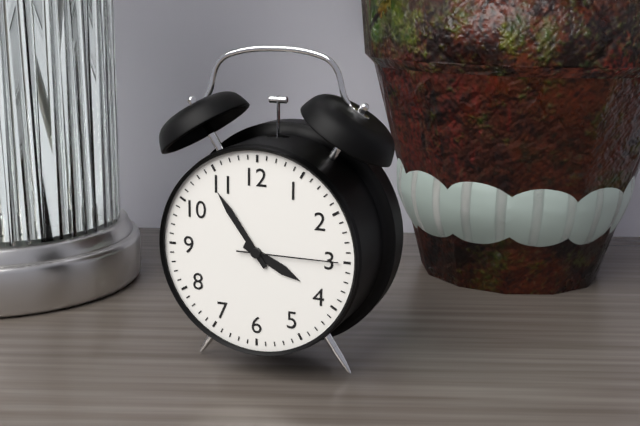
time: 3:54:15
